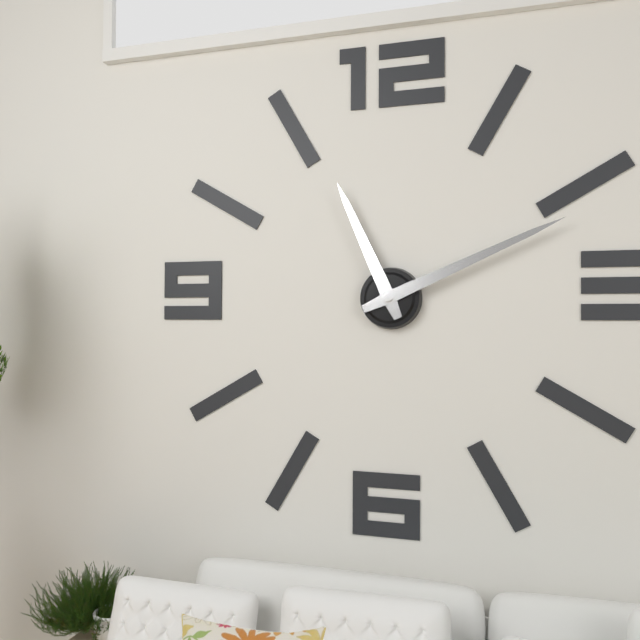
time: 11:11
